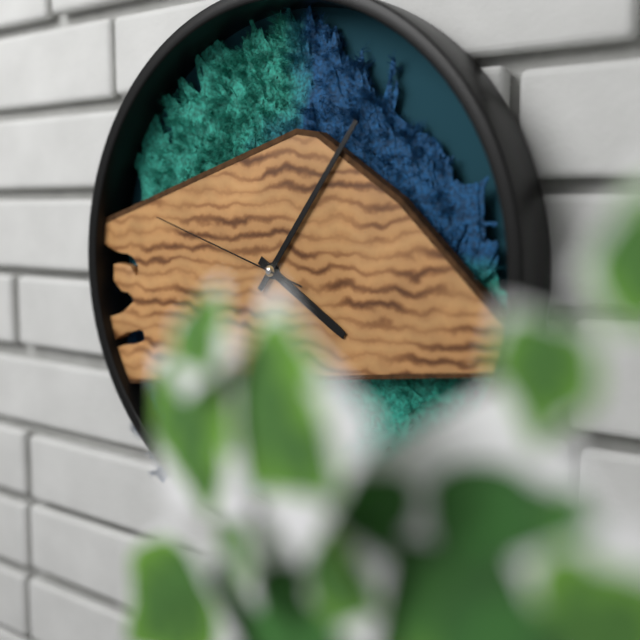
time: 4:06:48
